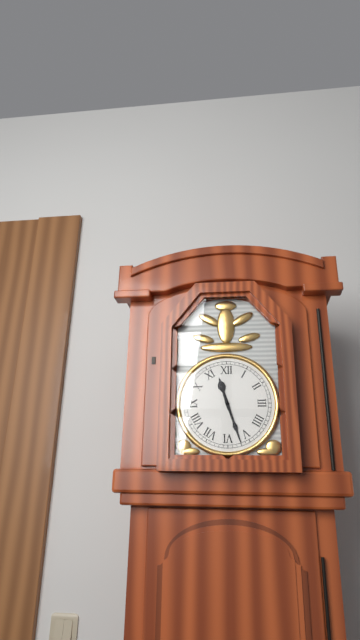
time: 11:27
